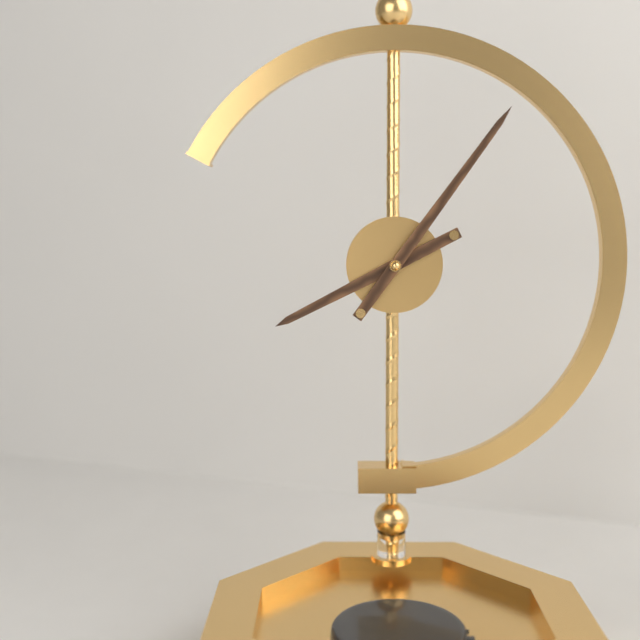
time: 8:06
